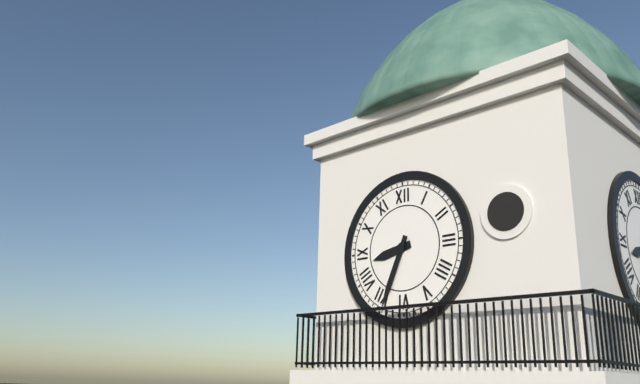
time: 8:34
